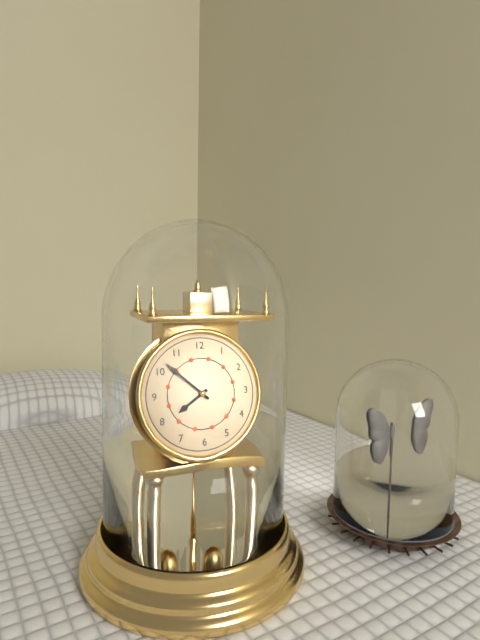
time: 7:52
